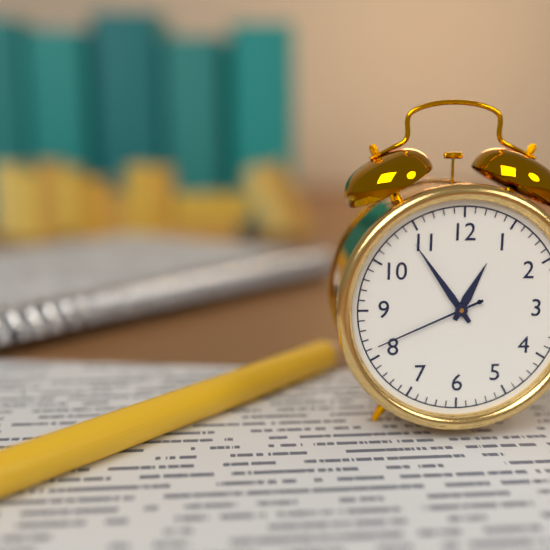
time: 12:54:41
